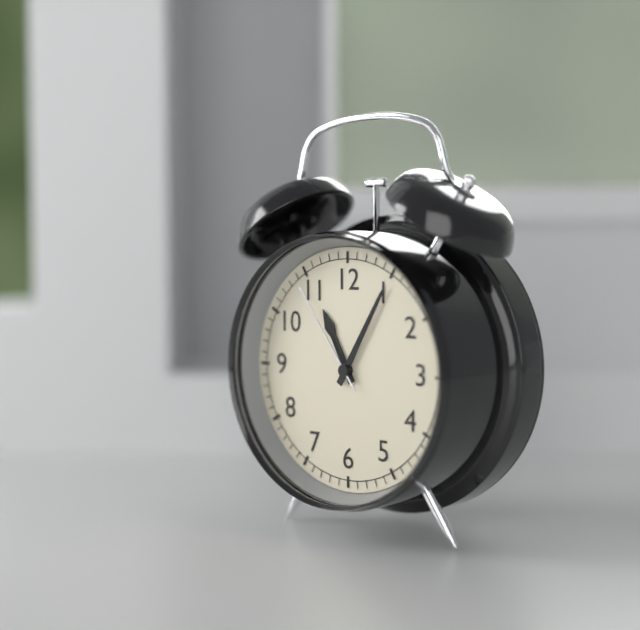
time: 11:05:54
